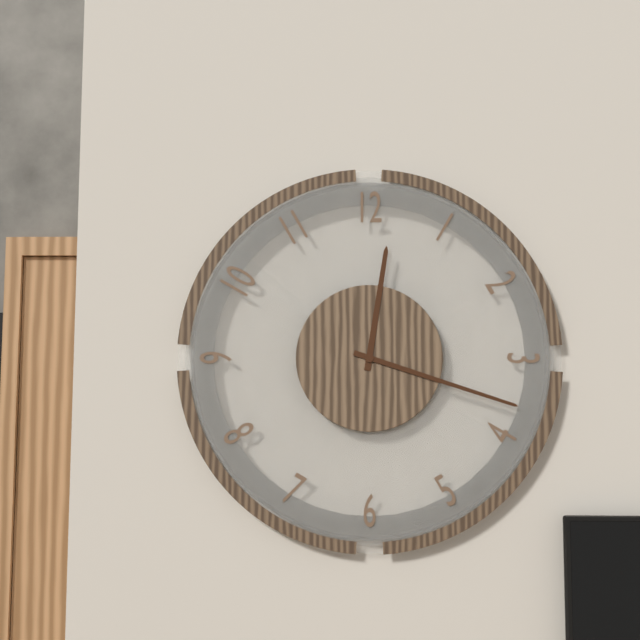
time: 12:18
